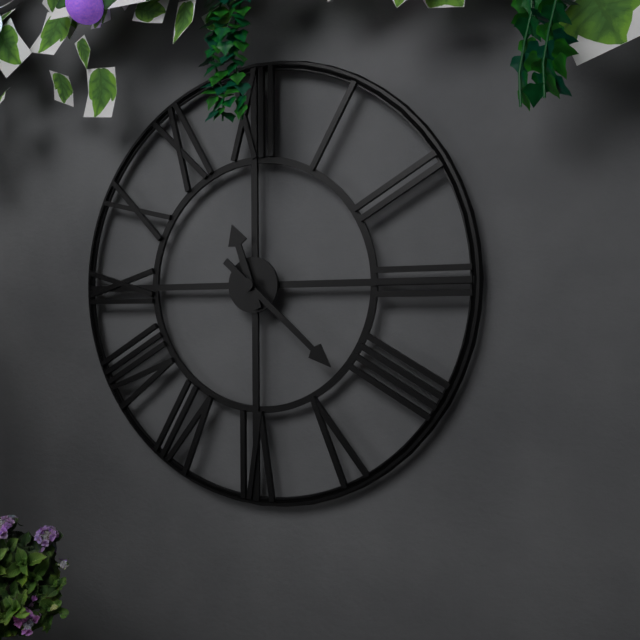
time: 11:22
